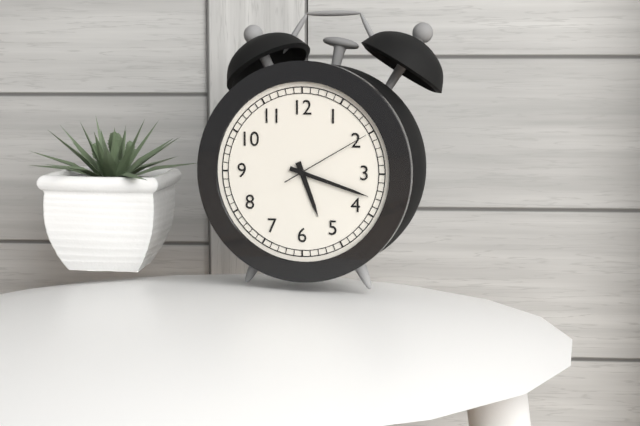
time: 5:18:10
